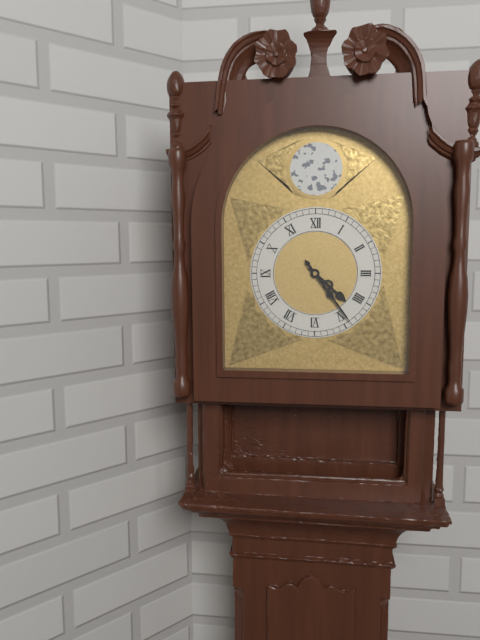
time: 4:24
